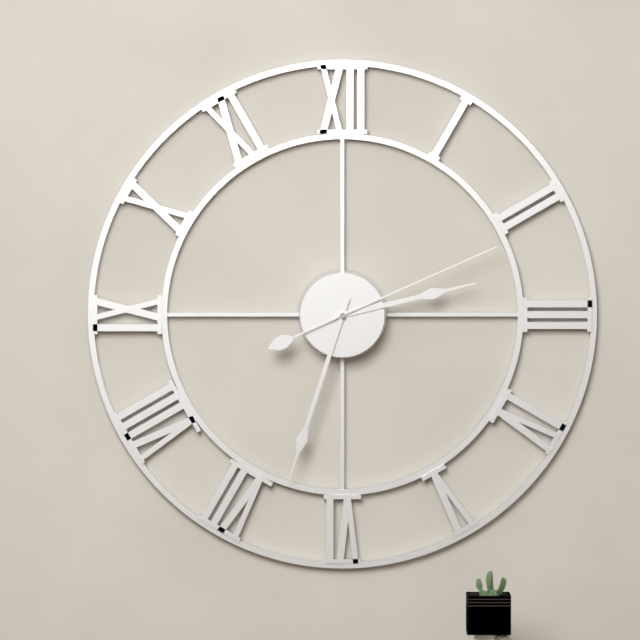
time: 2:33:11
